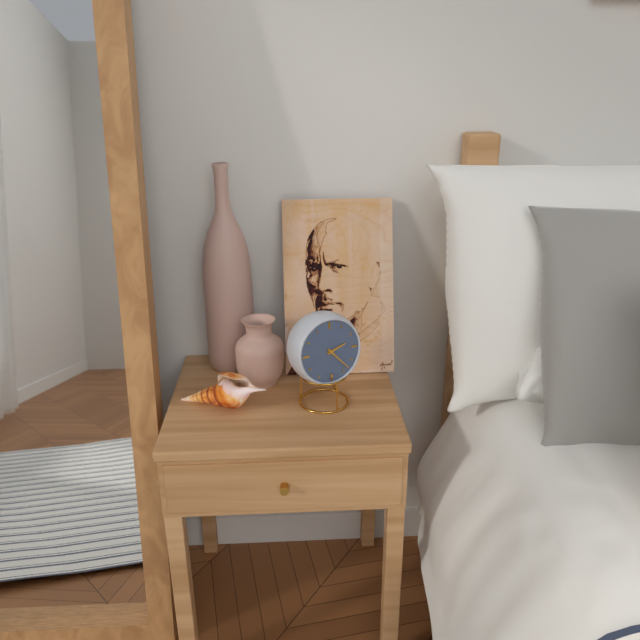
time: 2:23
